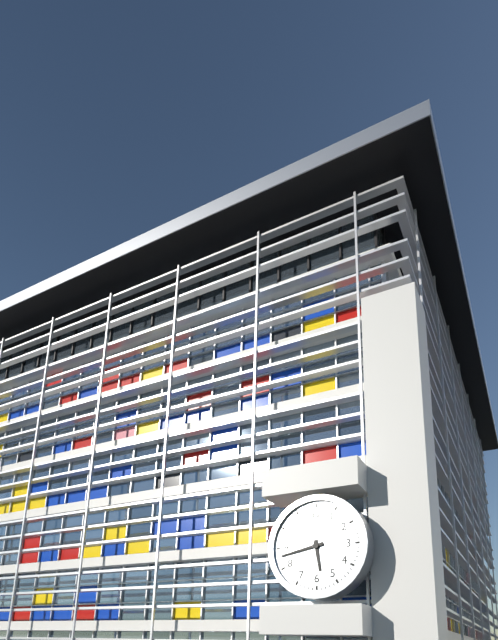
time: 5:43
